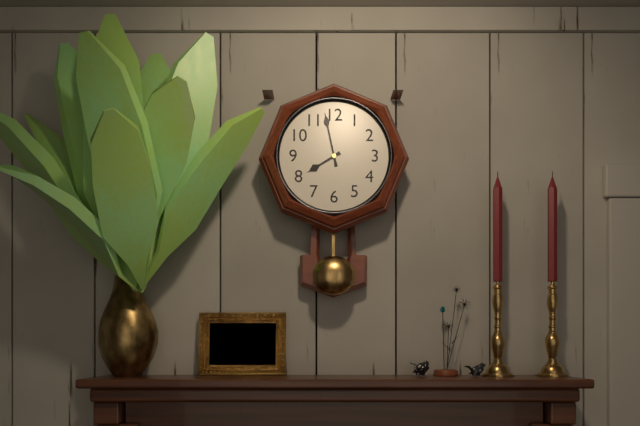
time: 7:58
